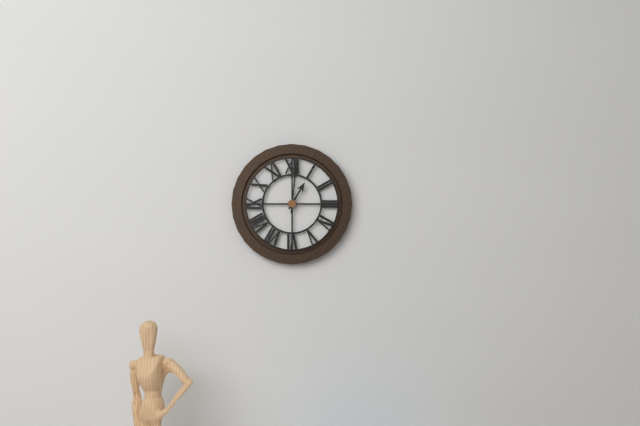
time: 1:01
